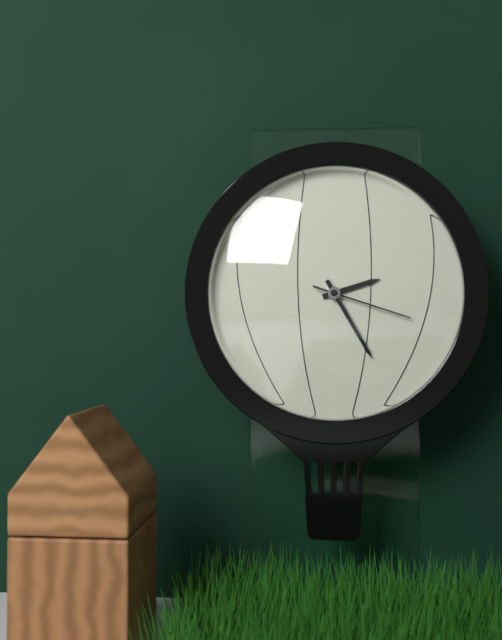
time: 2:25:18
